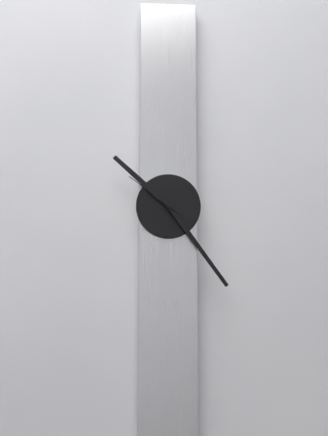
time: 10:24:51
